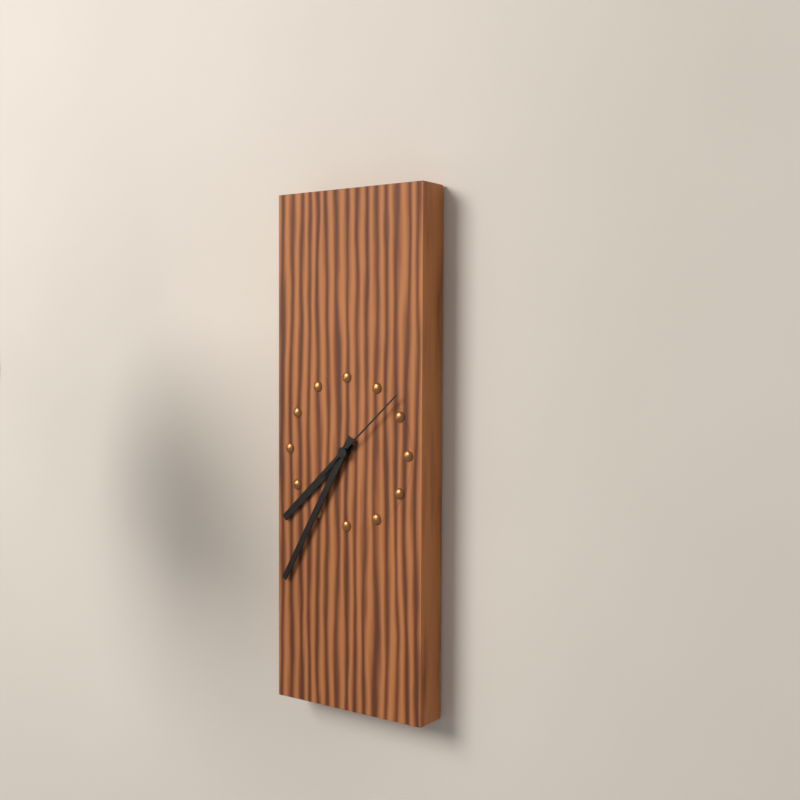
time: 7:35:08
